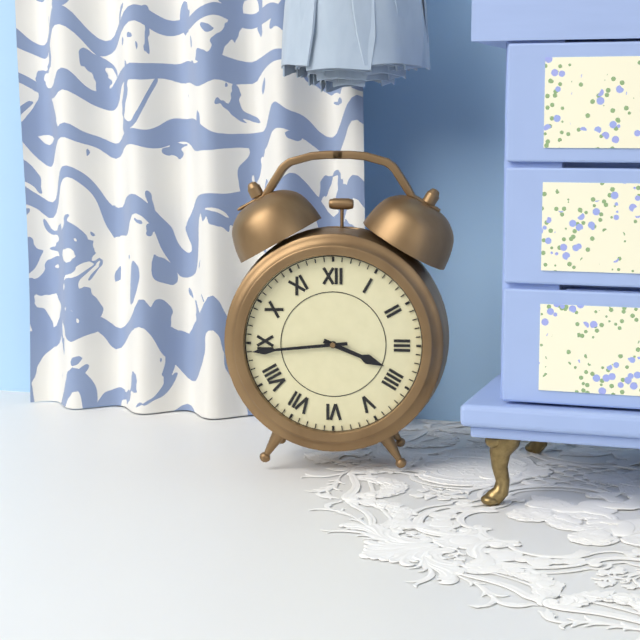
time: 3:44
